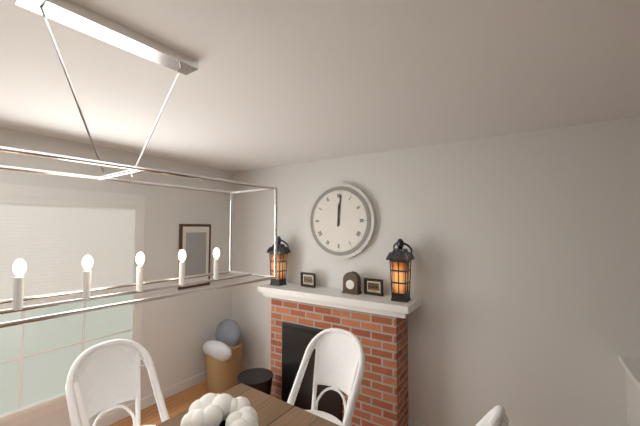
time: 12:01
